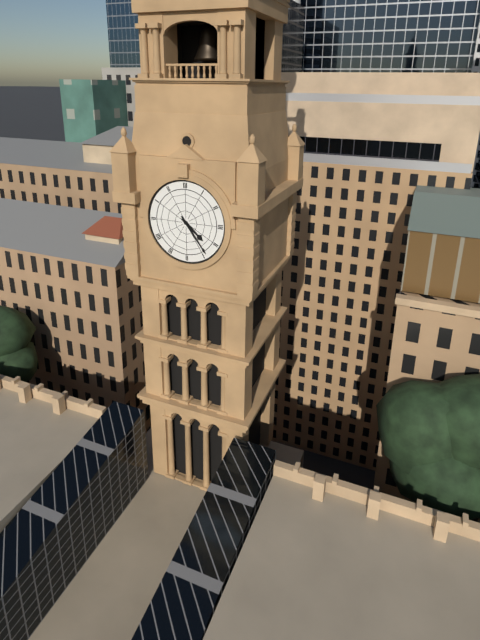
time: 4:24
